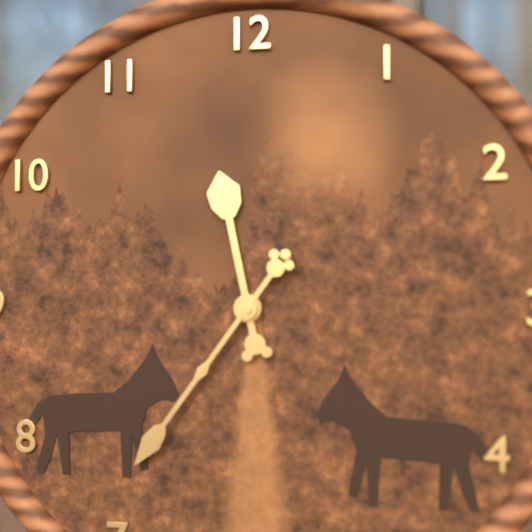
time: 11:36
